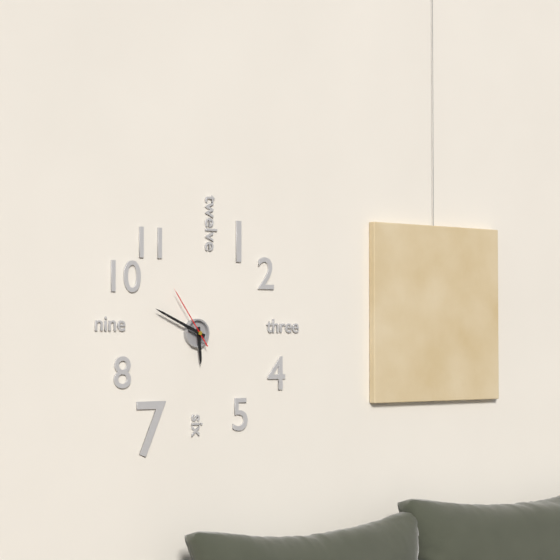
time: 5:49:54
